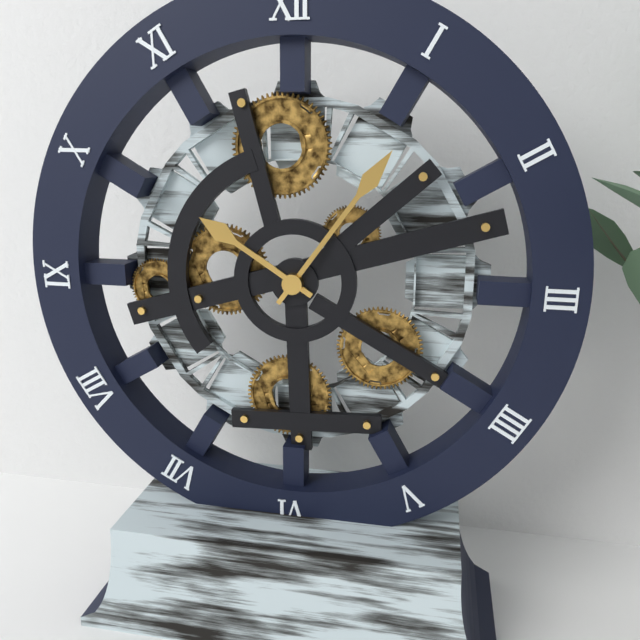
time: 10:06
